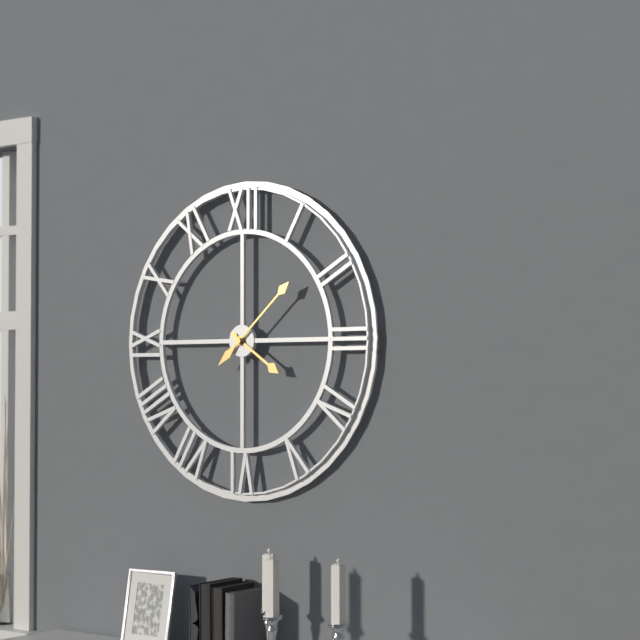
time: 4:08
